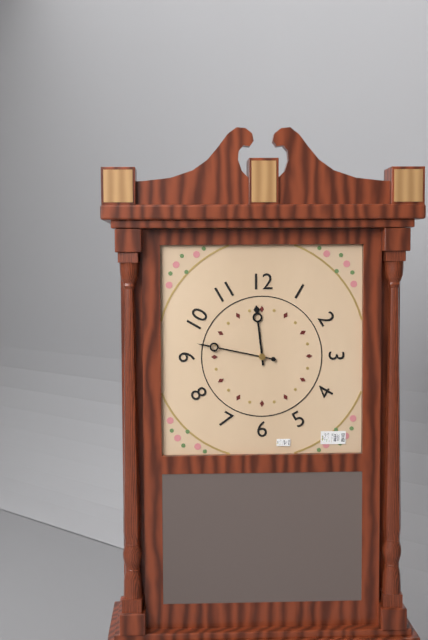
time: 11:47
